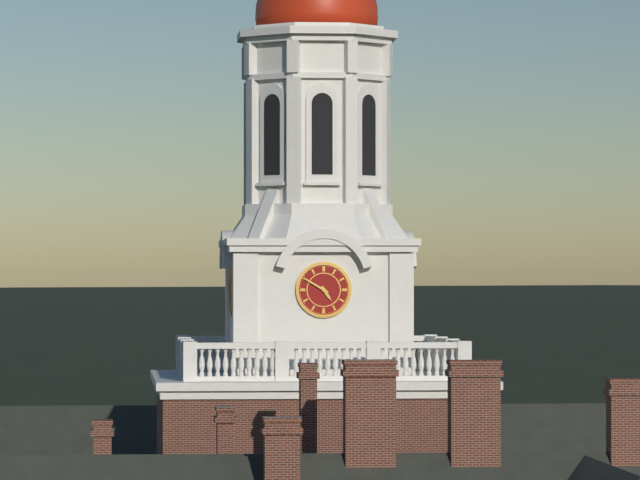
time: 4:50
